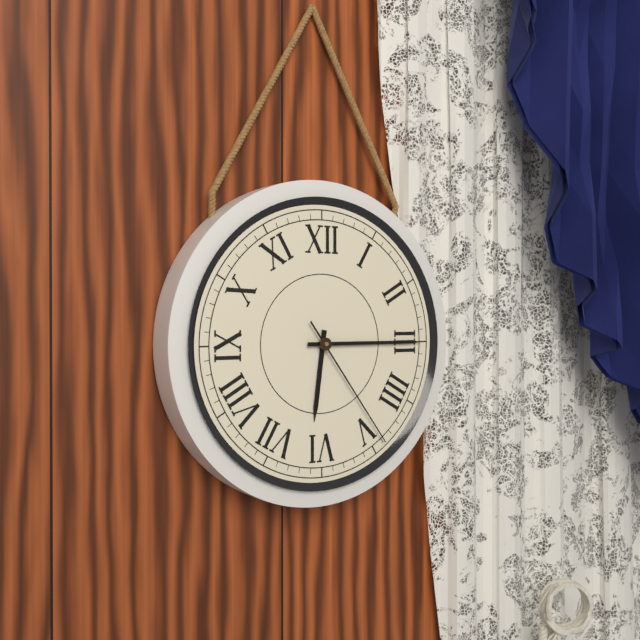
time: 6:15:24
